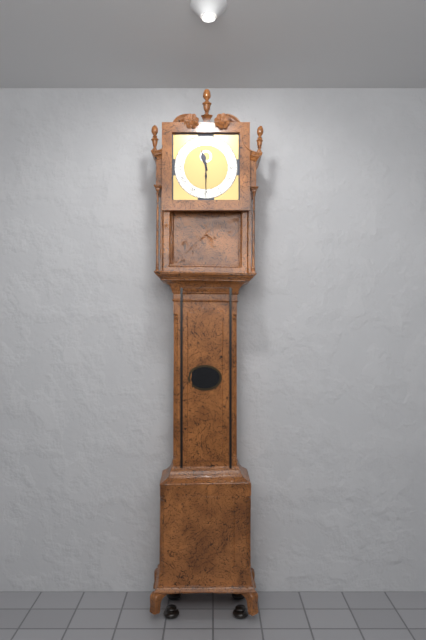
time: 11:30
